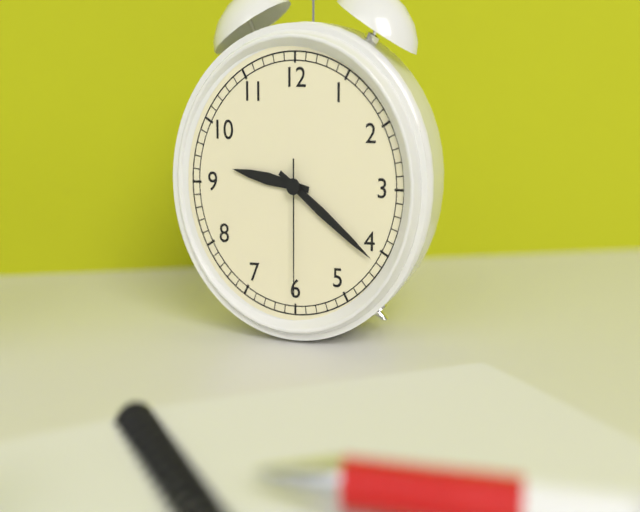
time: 9:21:30
